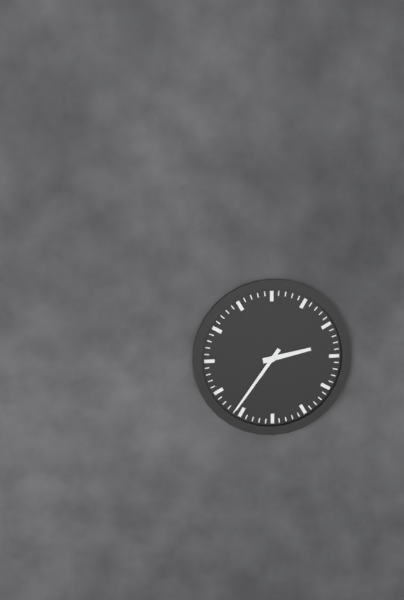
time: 2:36
